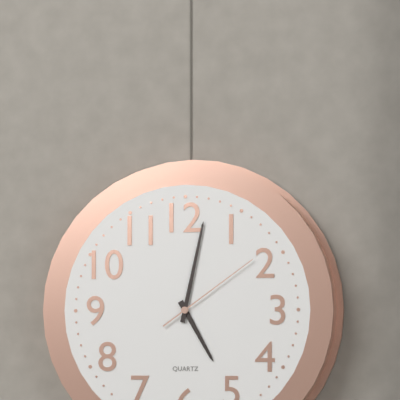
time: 5:02:09
